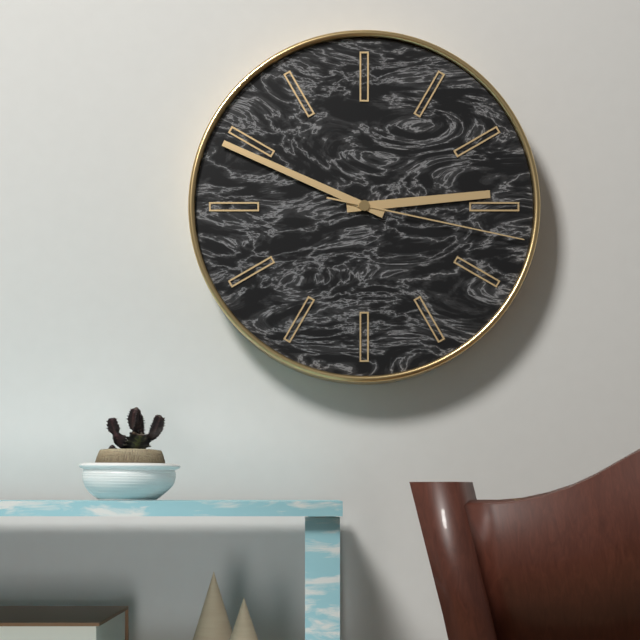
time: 2:49:17
